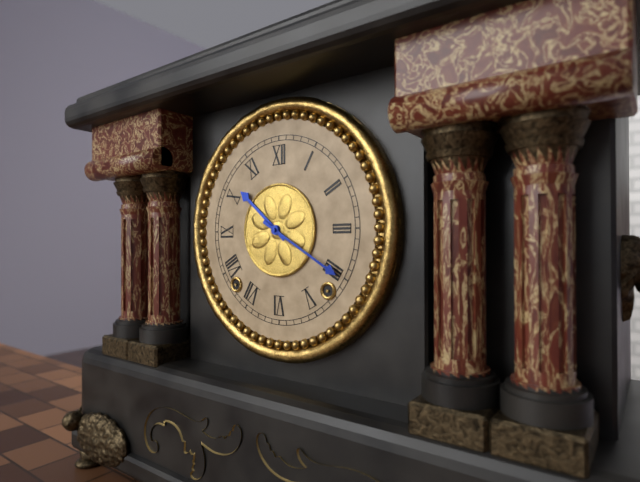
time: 10:20
